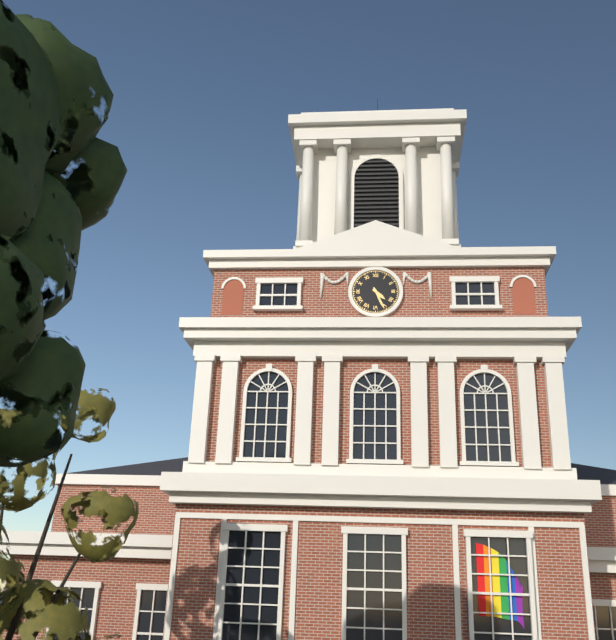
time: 4:26
